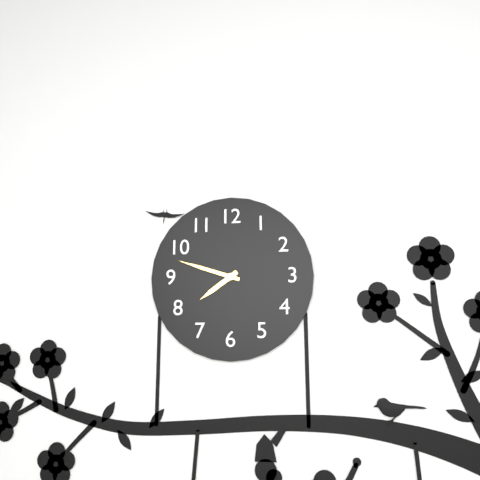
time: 7:48
